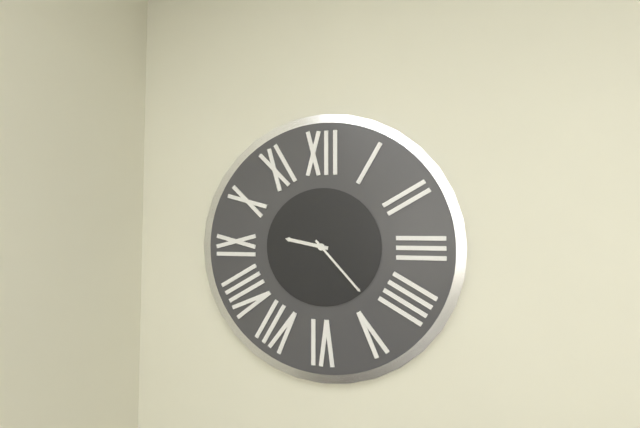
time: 9:23
